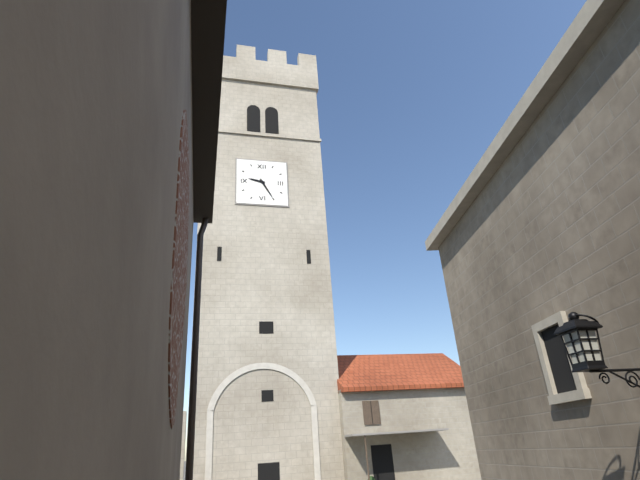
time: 9:25
